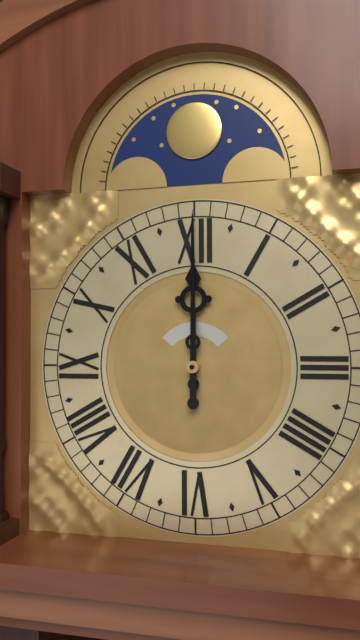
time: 12:00
